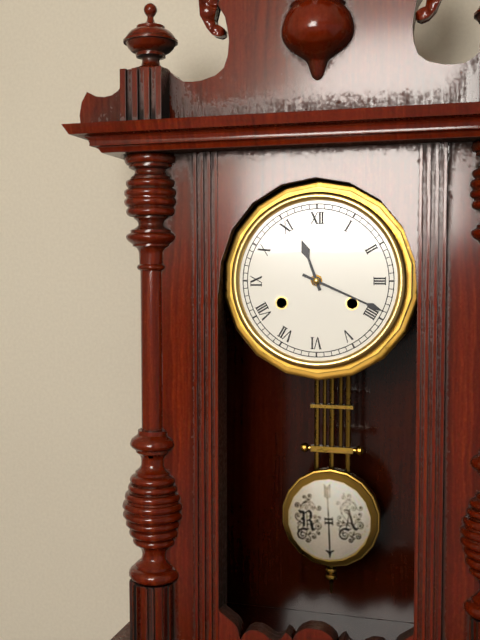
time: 11:19
